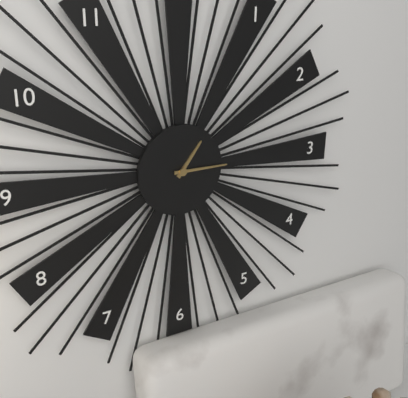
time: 1:15
